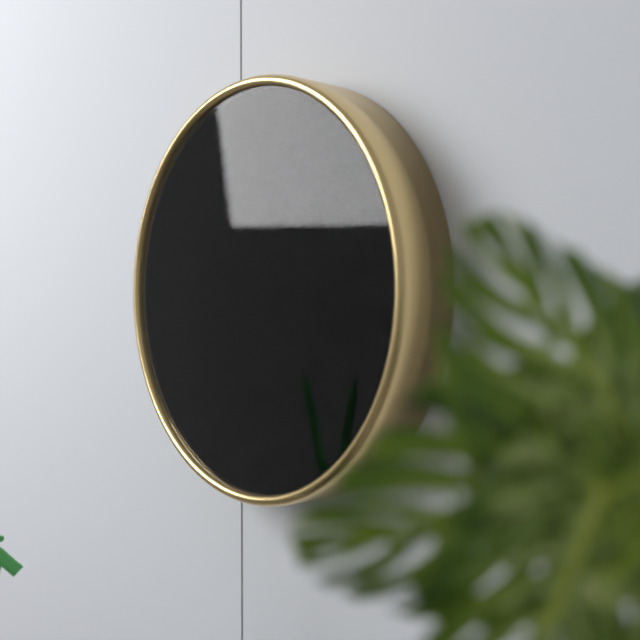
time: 11:42
